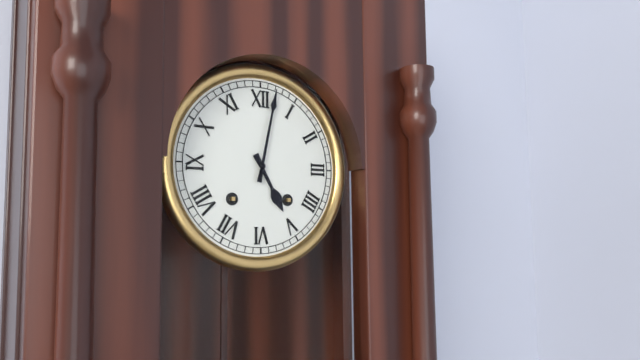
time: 5:02
